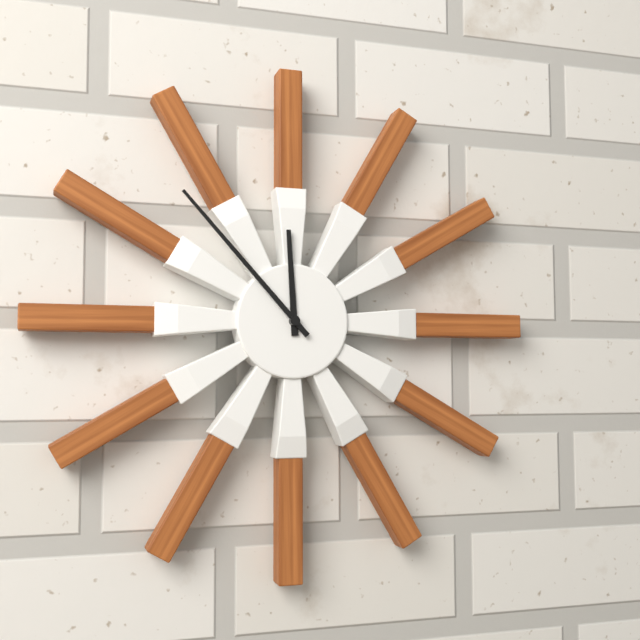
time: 11:53
